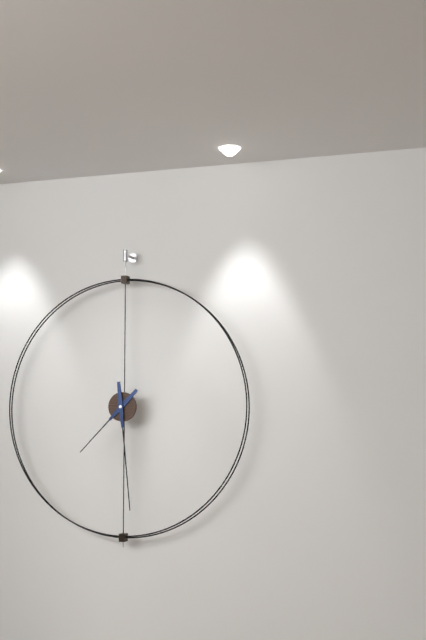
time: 7:29
